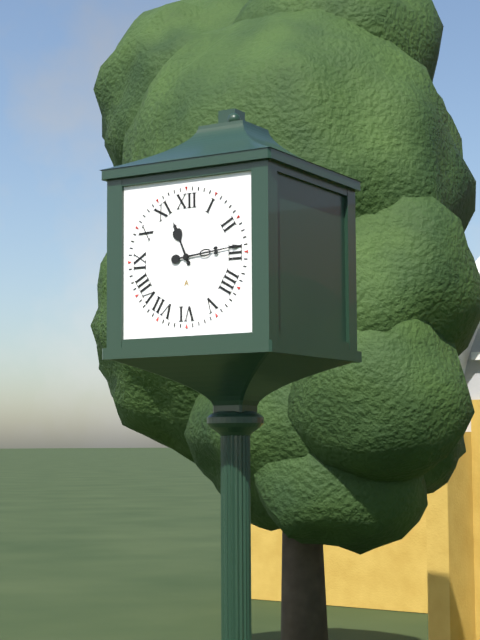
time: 11:14
